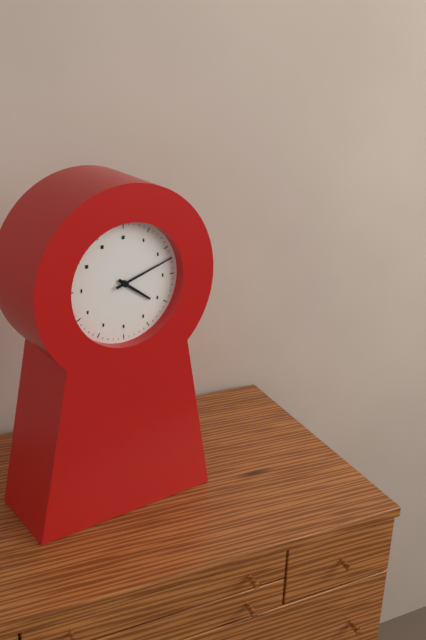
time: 4:12
